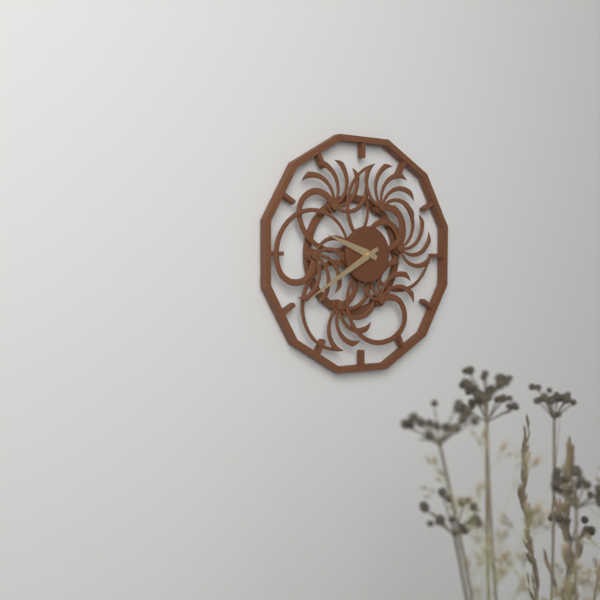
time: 9:40
